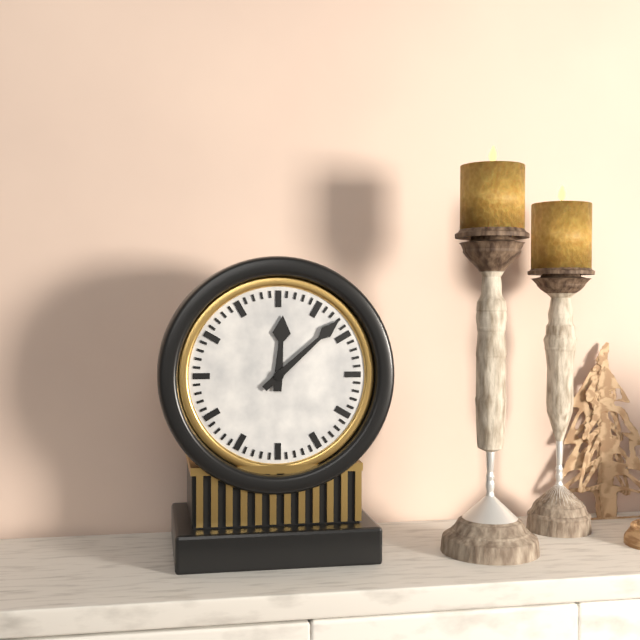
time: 12:08
